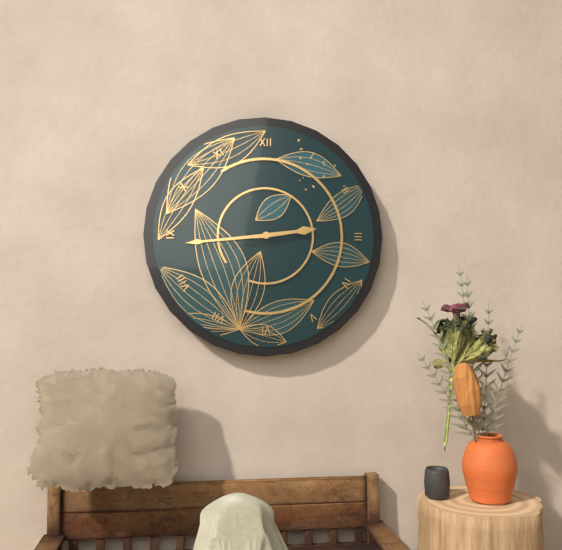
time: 2:44
